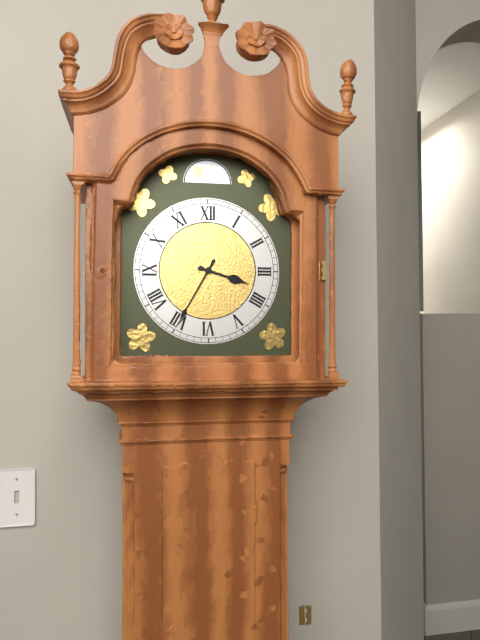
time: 3:35
